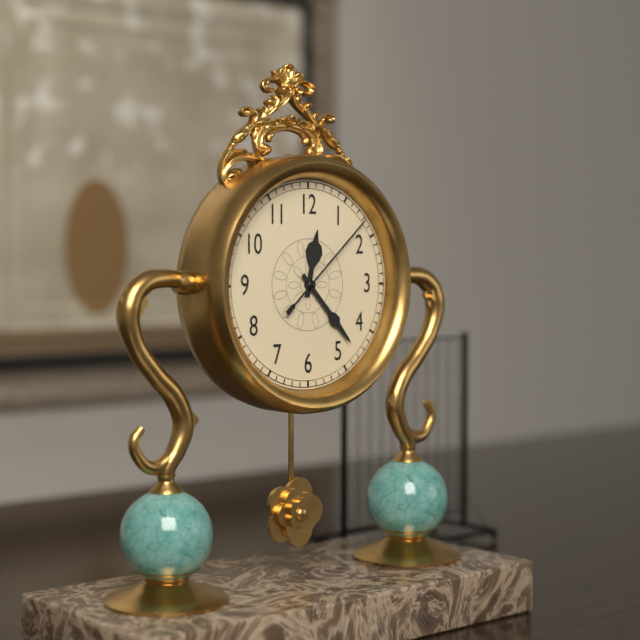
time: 12:23:08
